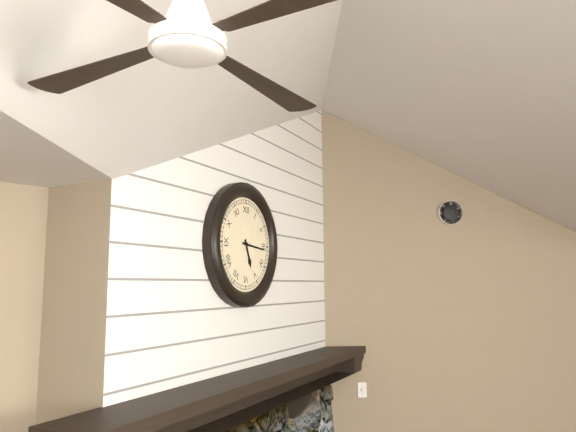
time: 5:16
